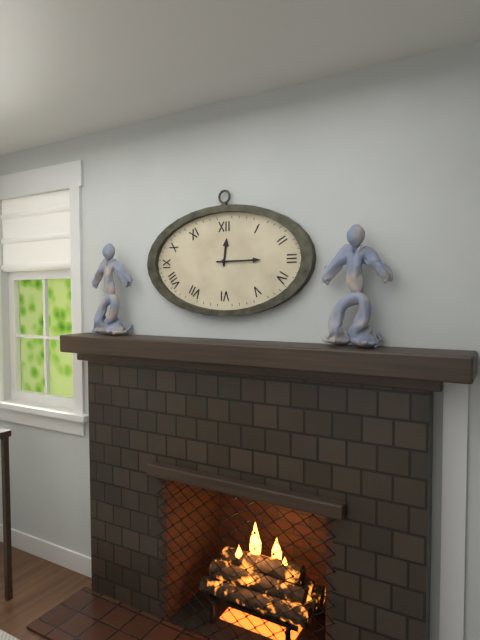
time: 12:15
